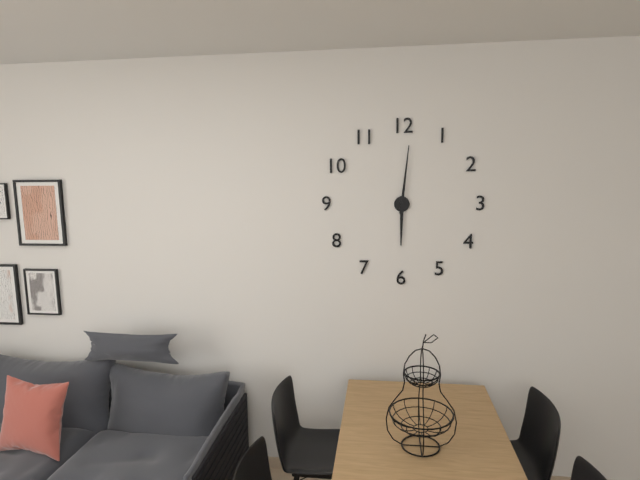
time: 6:01
